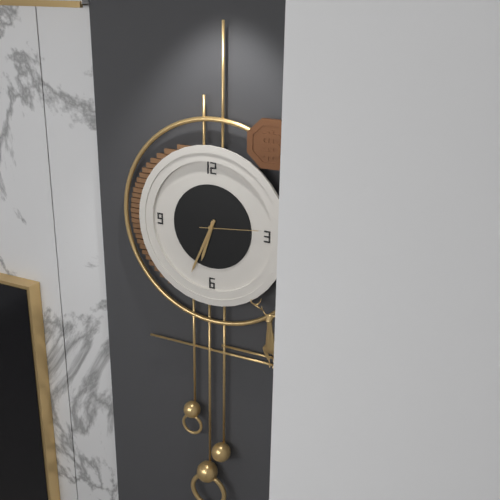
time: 6:34:14
